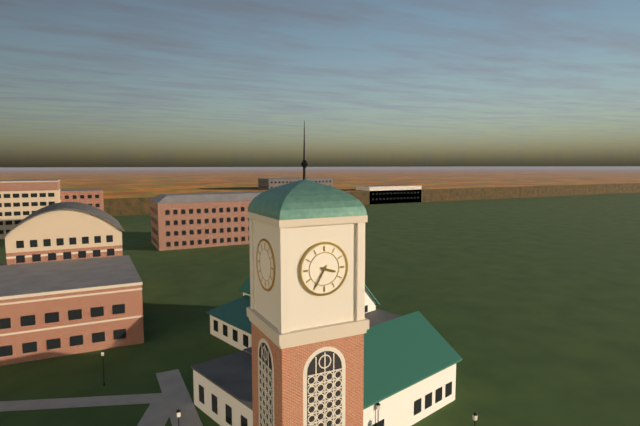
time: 3:35
